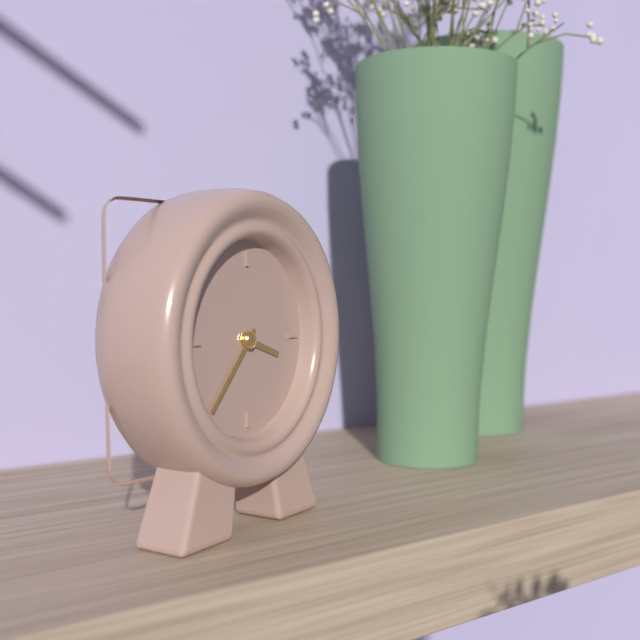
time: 3:37
